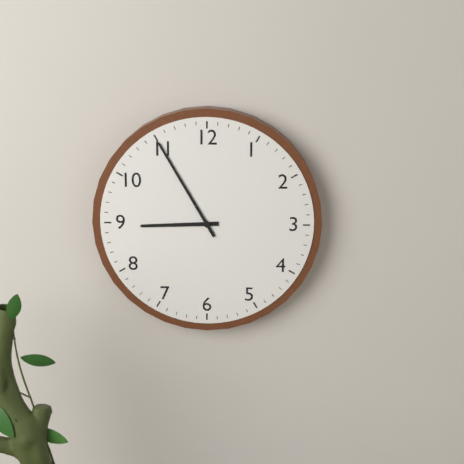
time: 8:55
